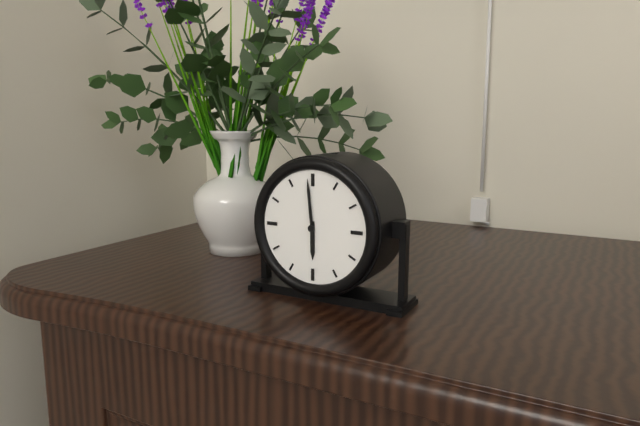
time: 5:59
